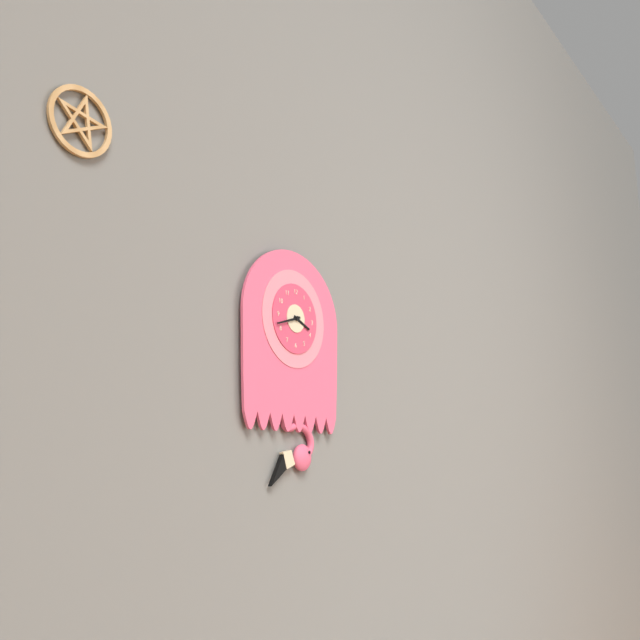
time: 3:42
